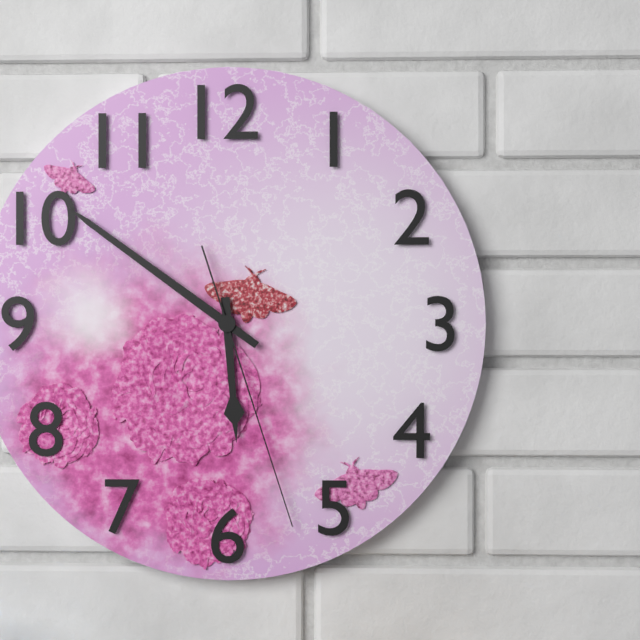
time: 5:51:27
